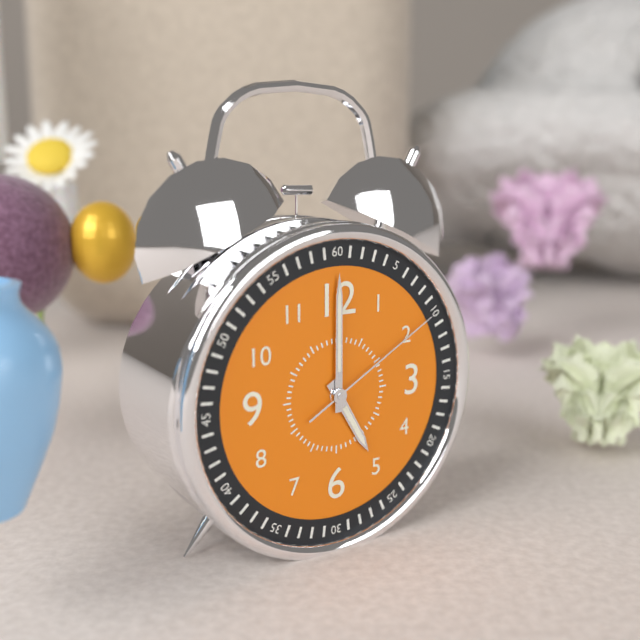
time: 5:00:10
